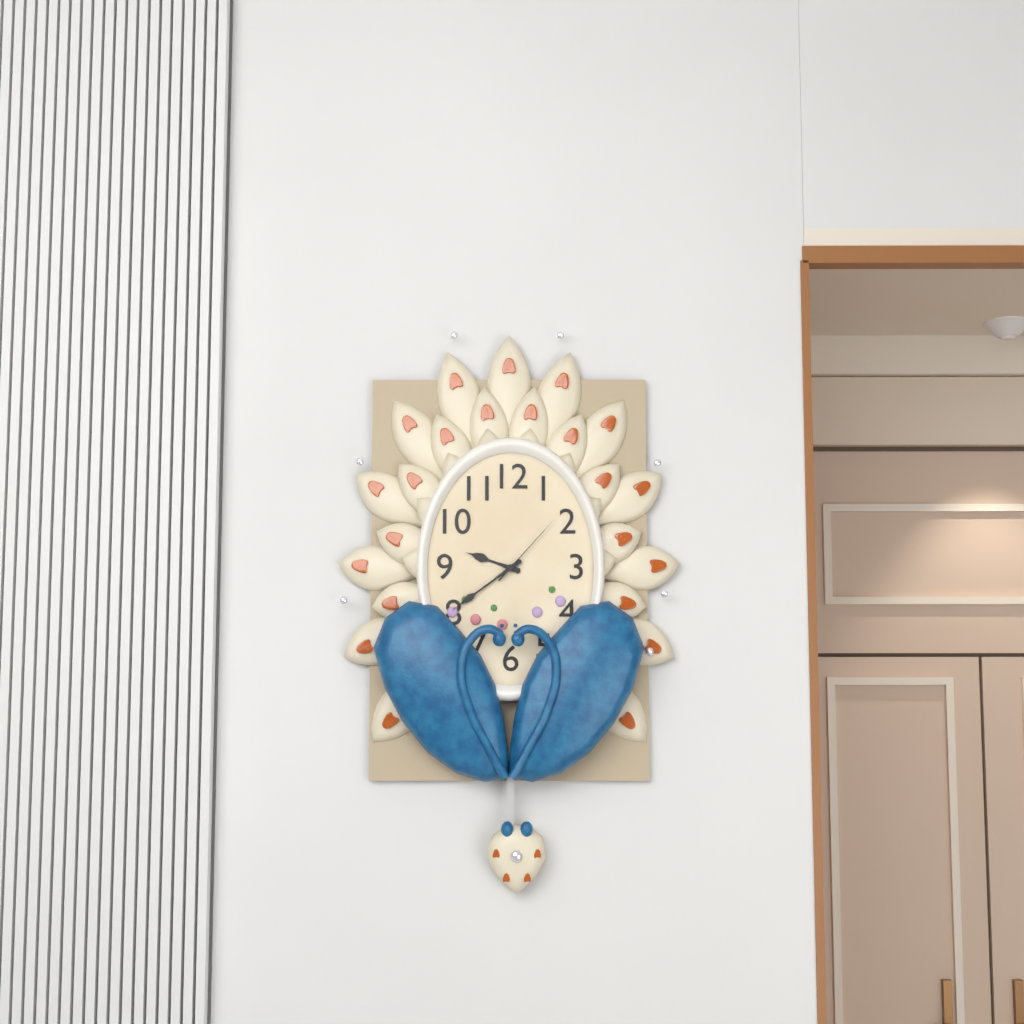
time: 9:39:07
